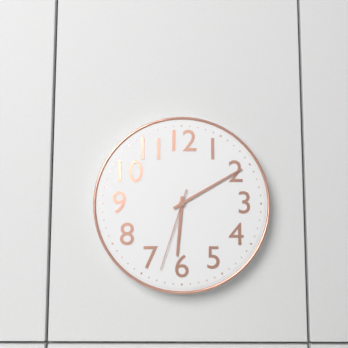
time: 6:10:33
